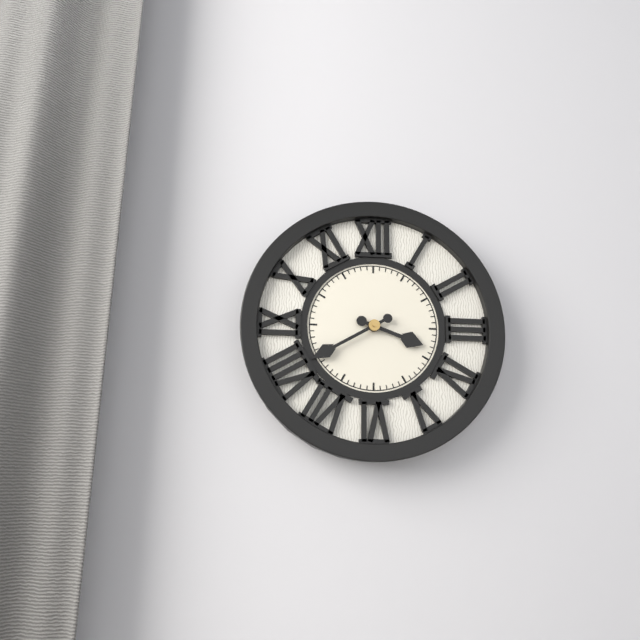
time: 3:40
